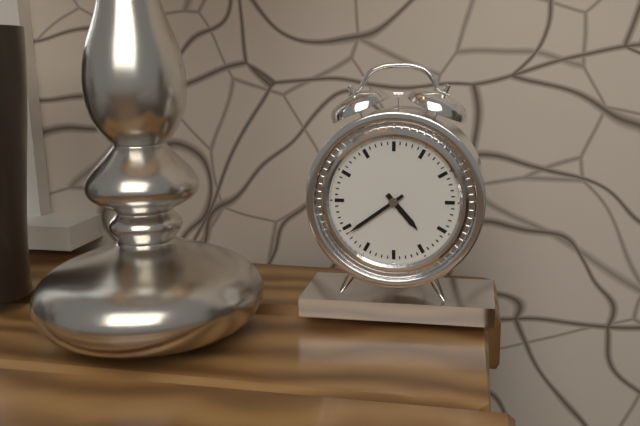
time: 4:39
